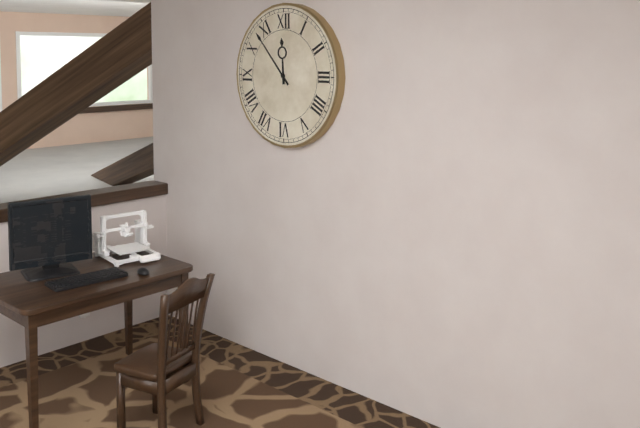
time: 11:53
